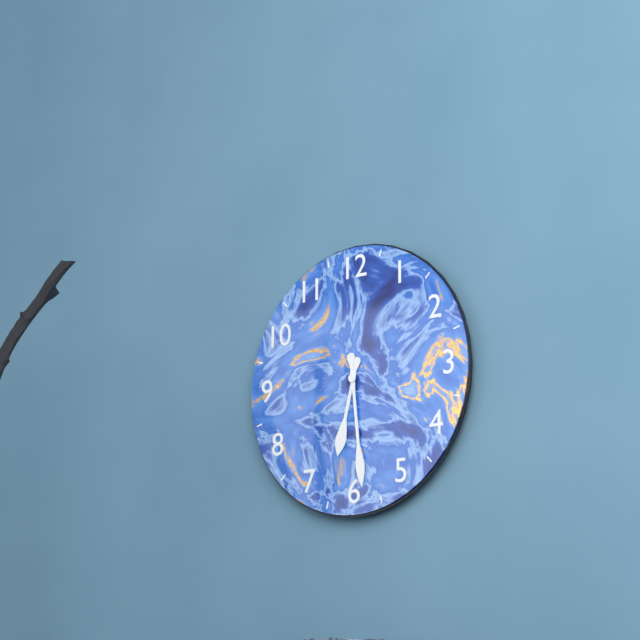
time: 6:29
